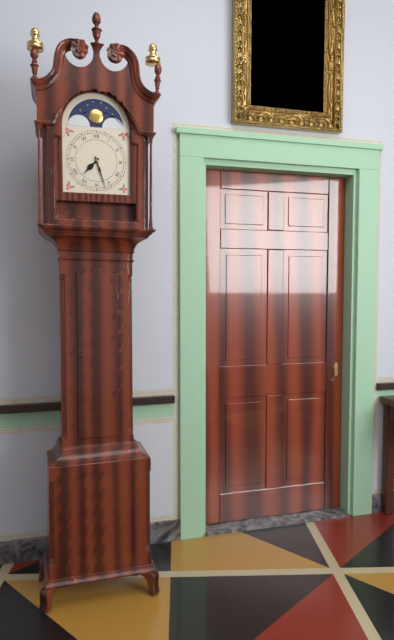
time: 7:27
